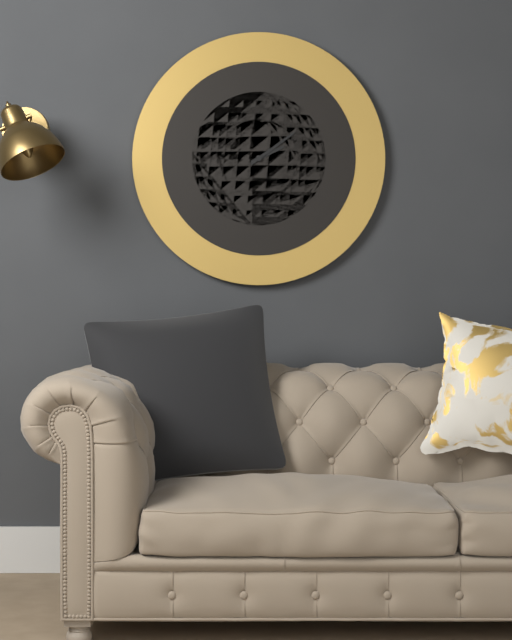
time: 2:09
